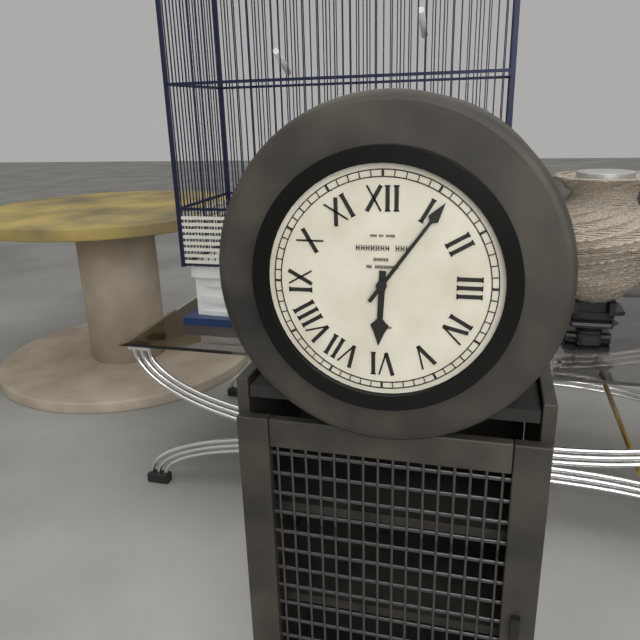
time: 6:06
